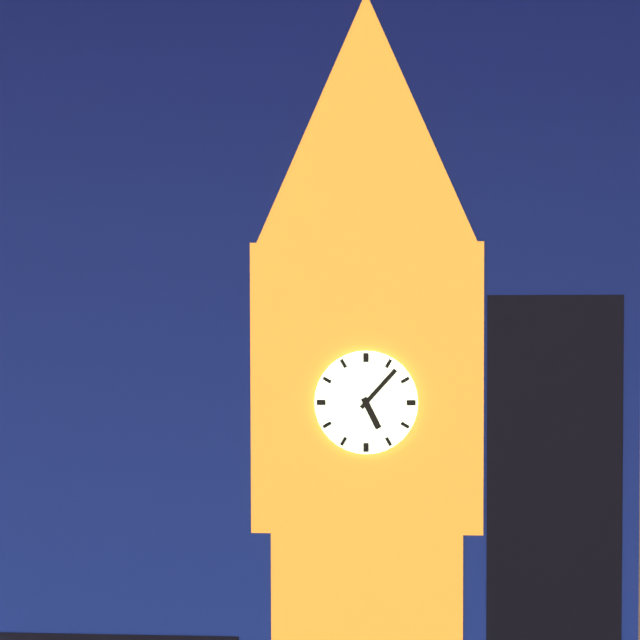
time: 5:07
